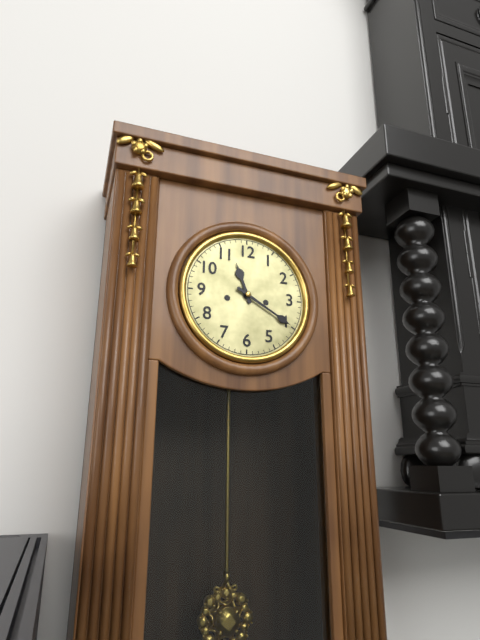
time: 11:20
